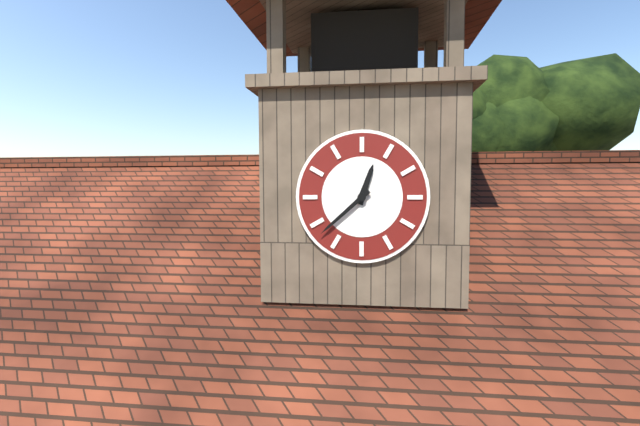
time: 12:38
